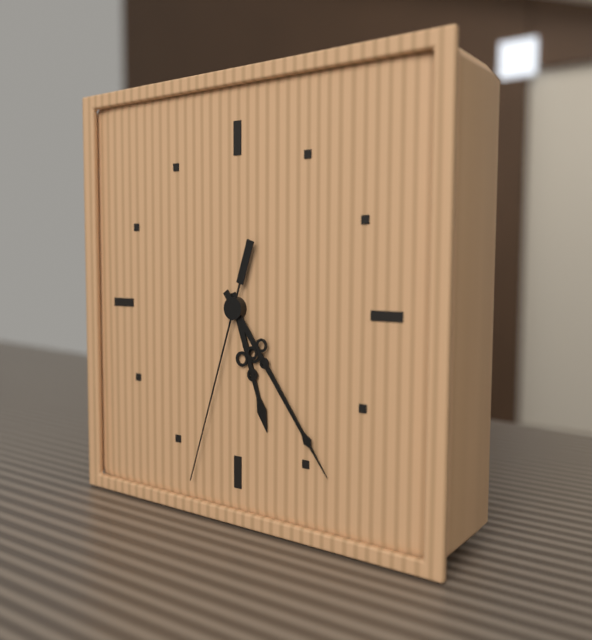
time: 5:24:33
